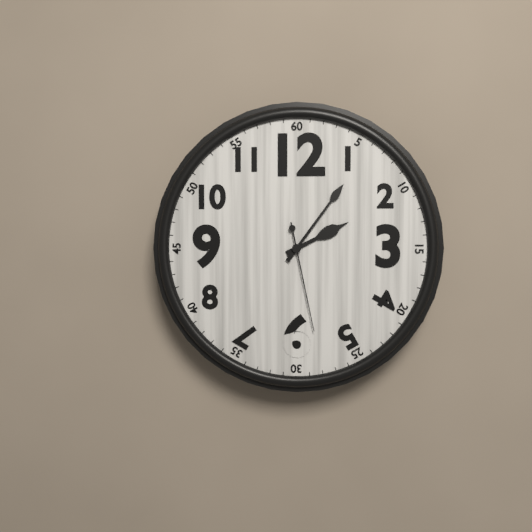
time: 2:06:28
